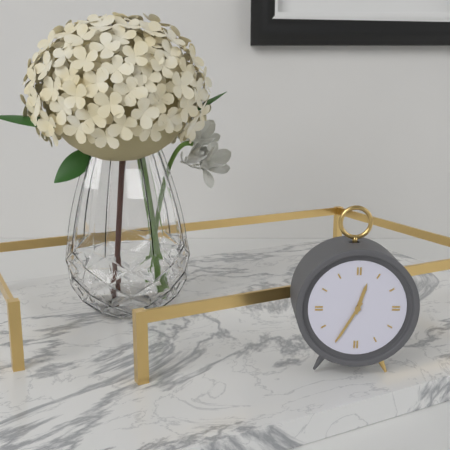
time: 12:35
